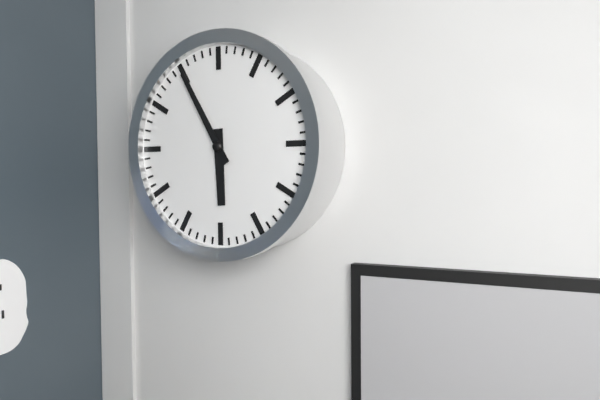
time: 5:55
